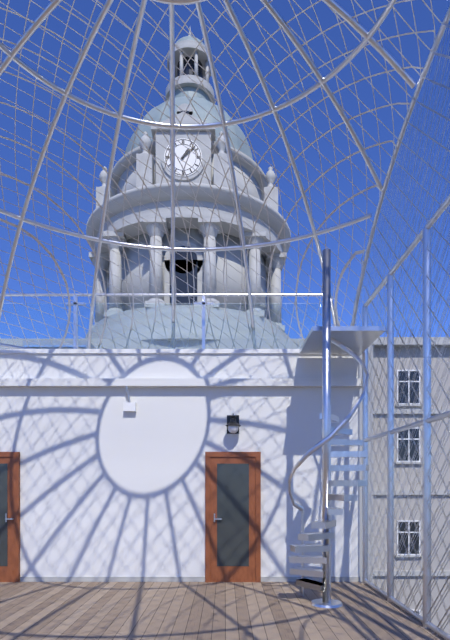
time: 1:08
